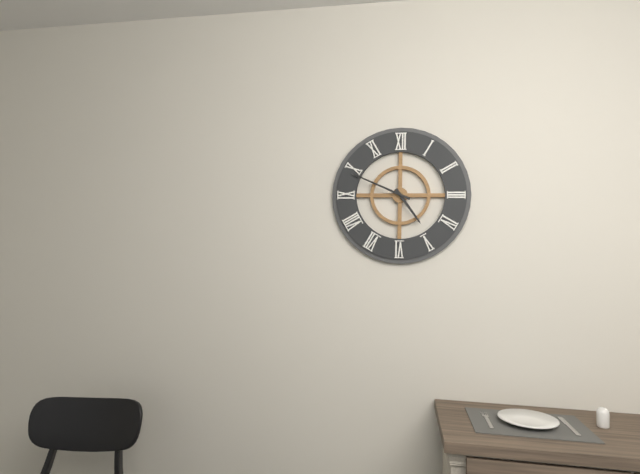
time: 4:49
